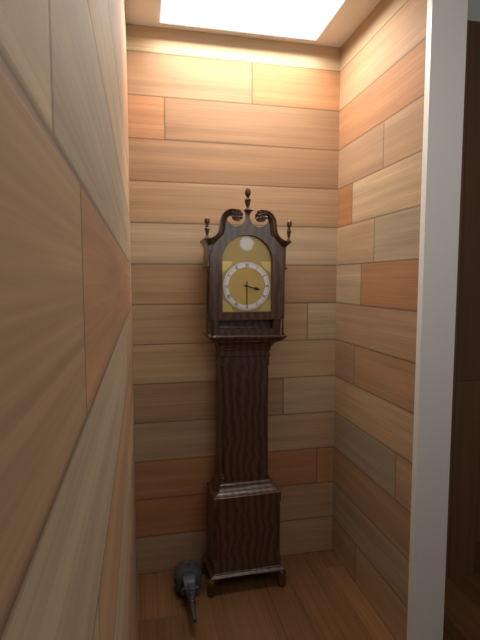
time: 3:30
